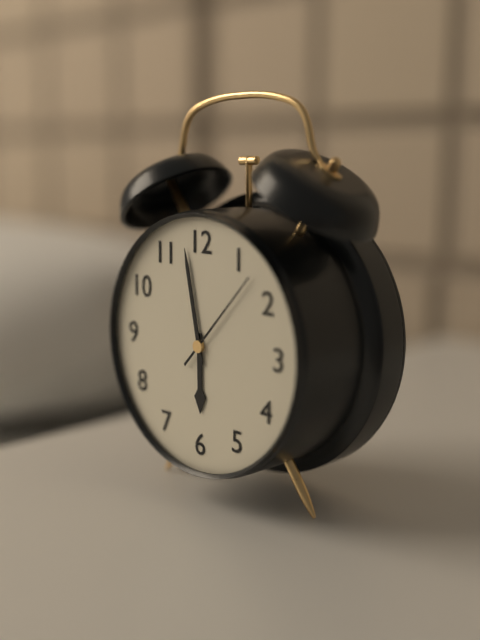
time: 5:58:07
